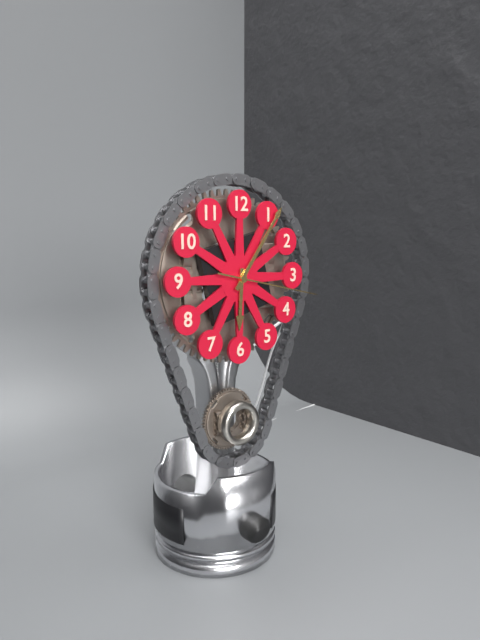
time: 6:06:17
